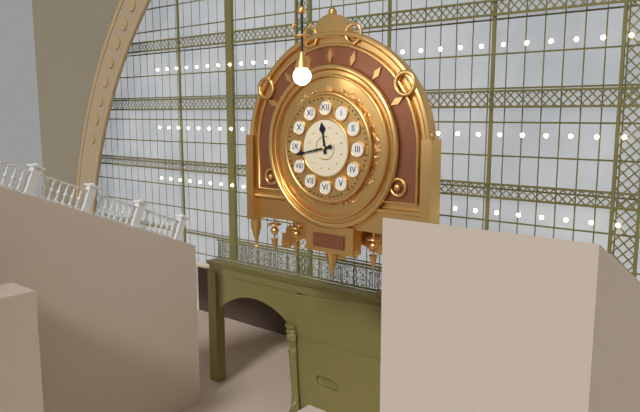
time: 11:43
